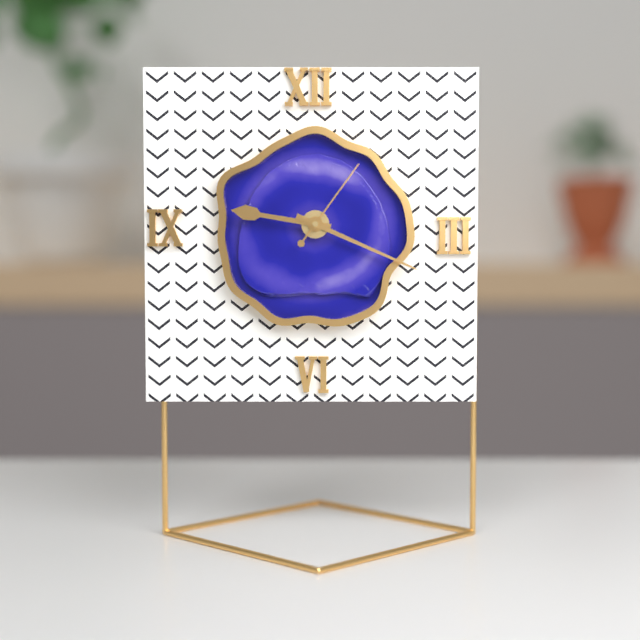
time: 9:19:06
